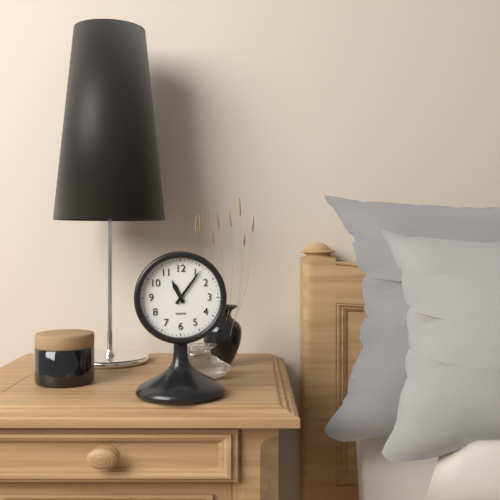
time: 11:06
